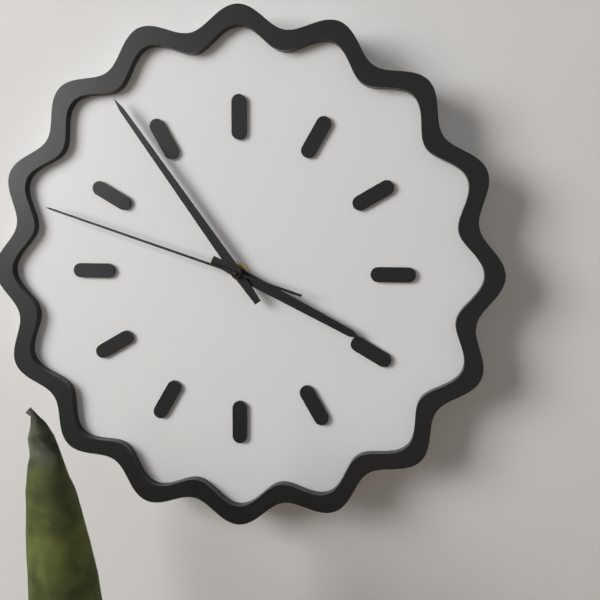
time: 3:54:48
